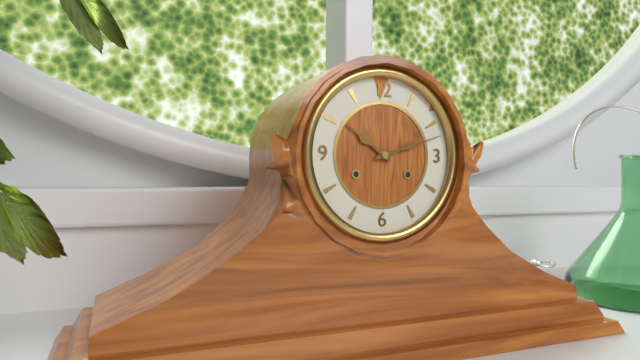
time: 10:12
